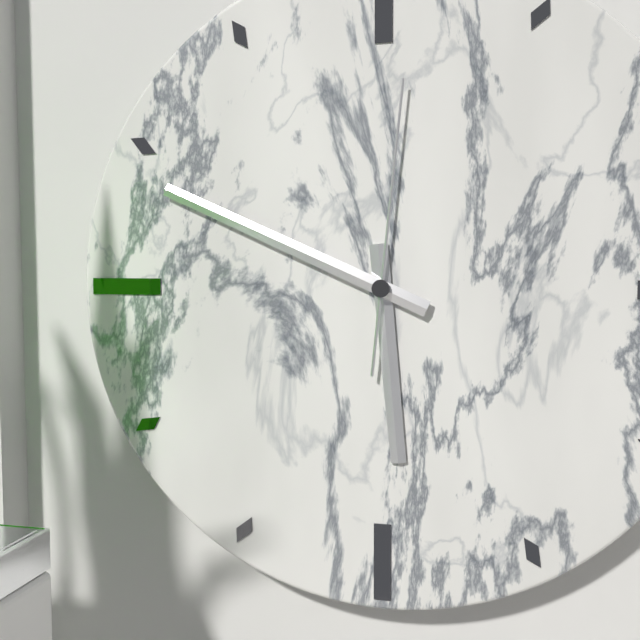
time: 5:49:01
